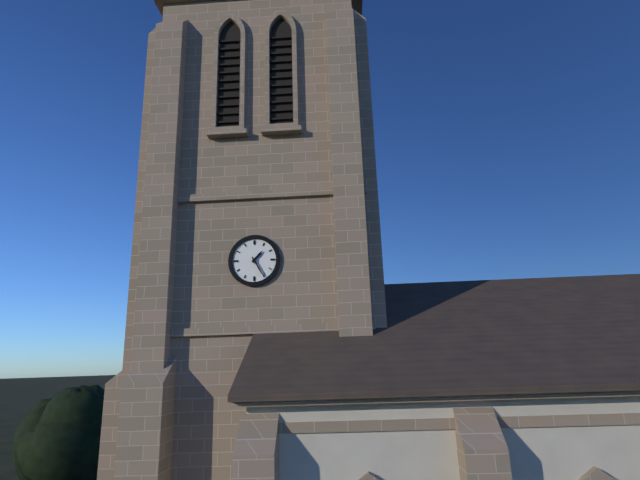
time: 1:25
